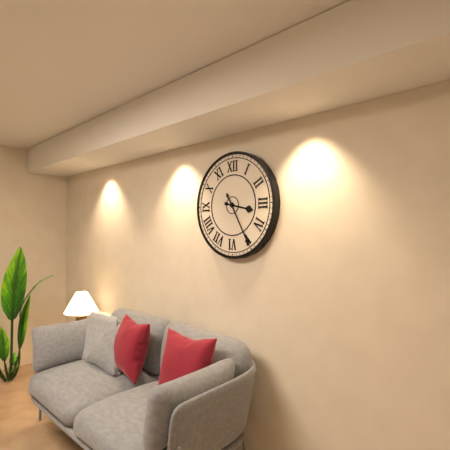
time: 3:25
